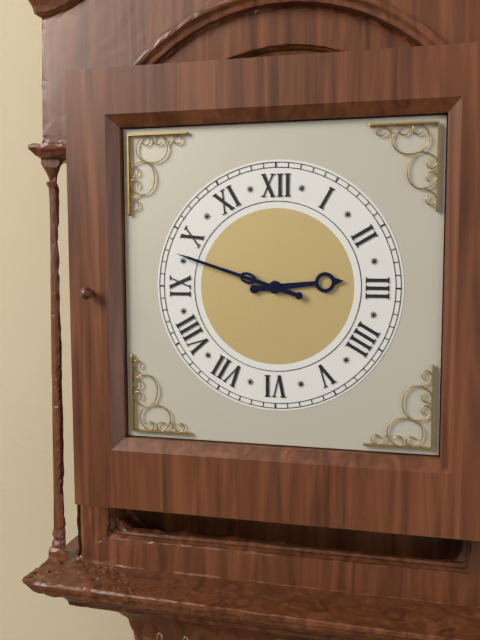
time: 2:48
